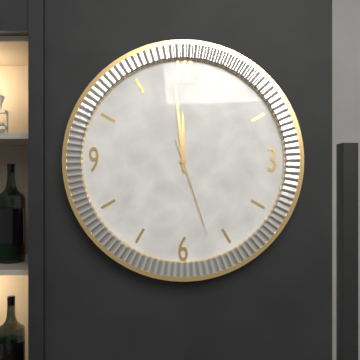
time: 11:59:27
